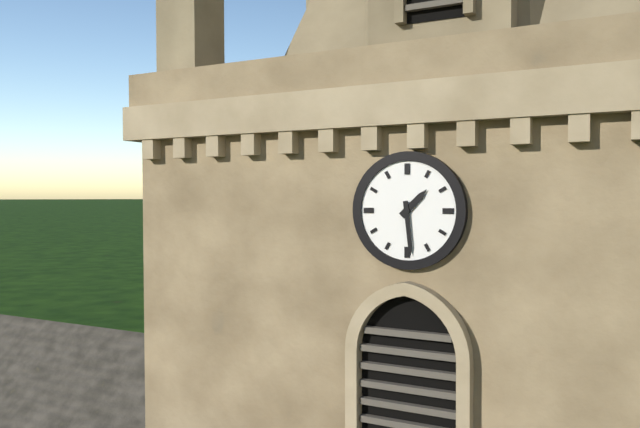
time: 1:29
